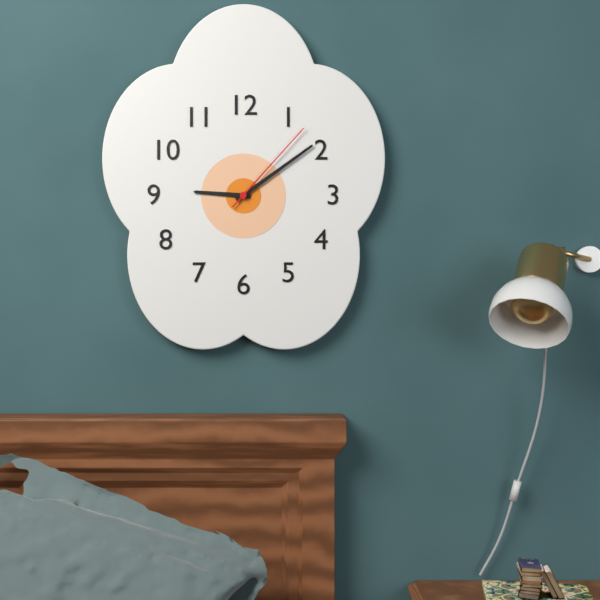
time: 9:09:07
